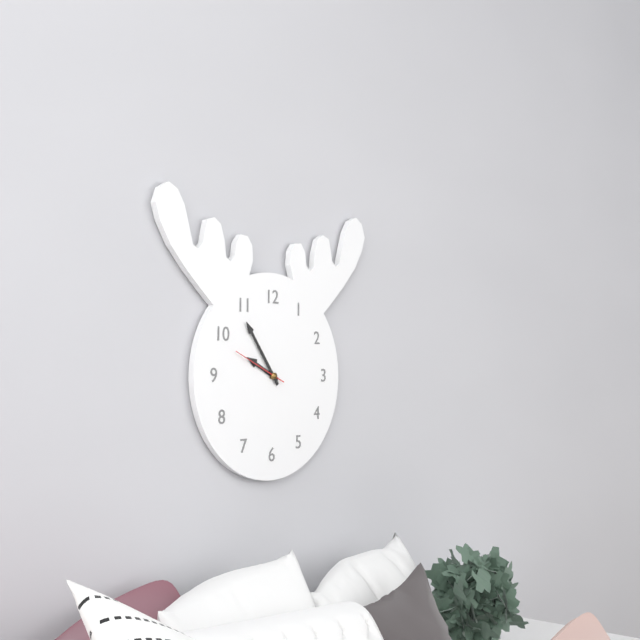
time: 9:54:49
